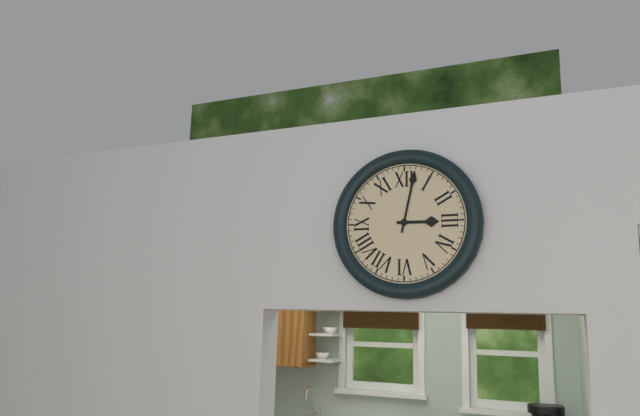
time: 3:02
